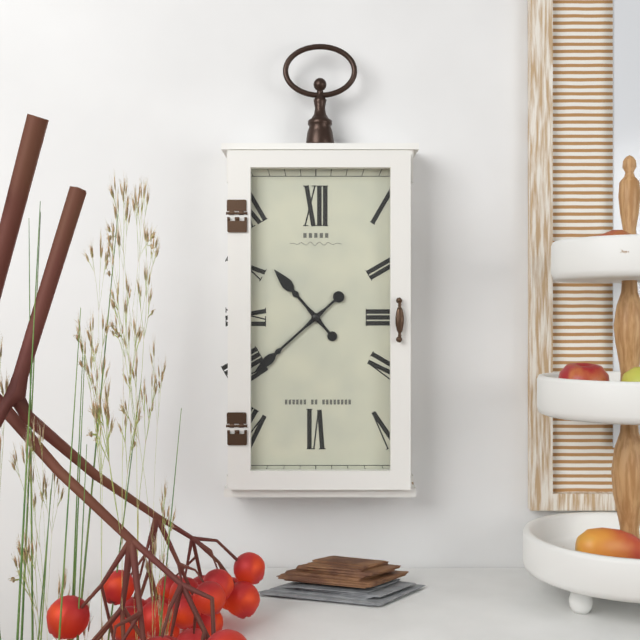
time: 10:38
